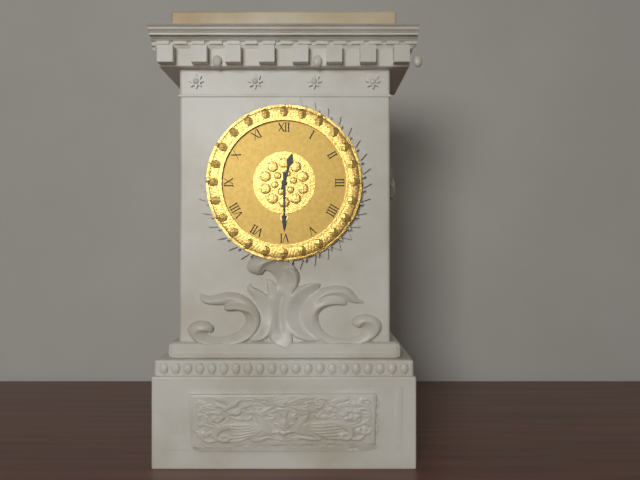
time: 12:30
